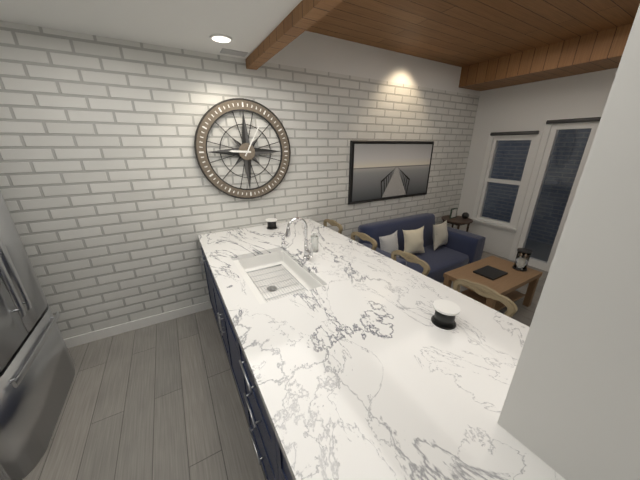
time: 9:05
